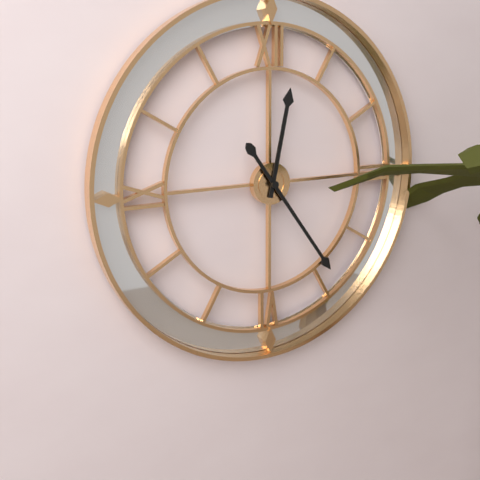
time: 12:24
